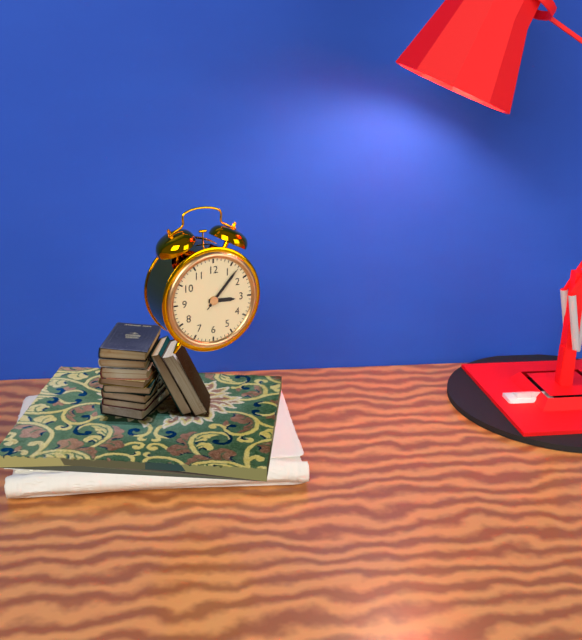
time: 3:07:07
